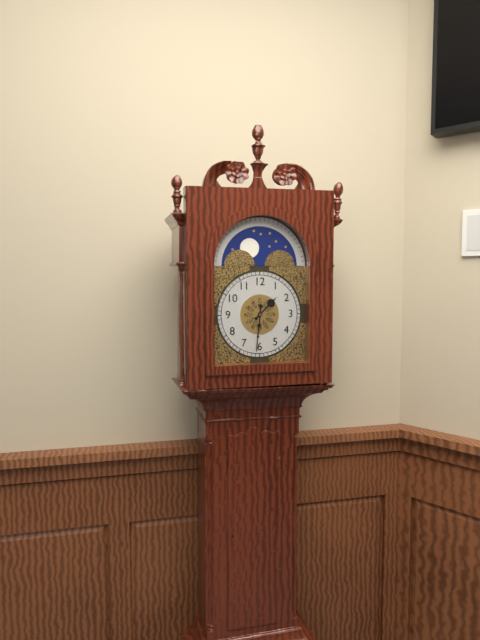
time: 1:31
